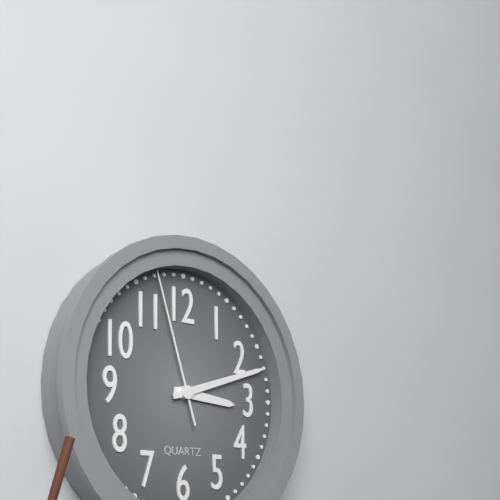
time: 3:12:57
